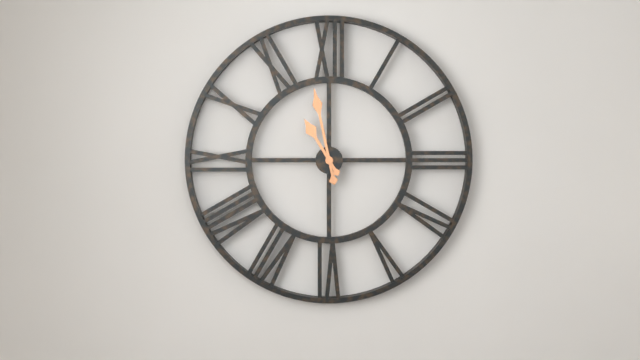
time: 10:58
